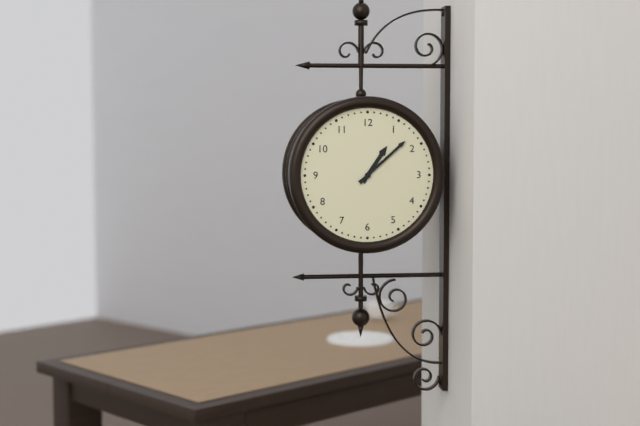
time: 1:08
